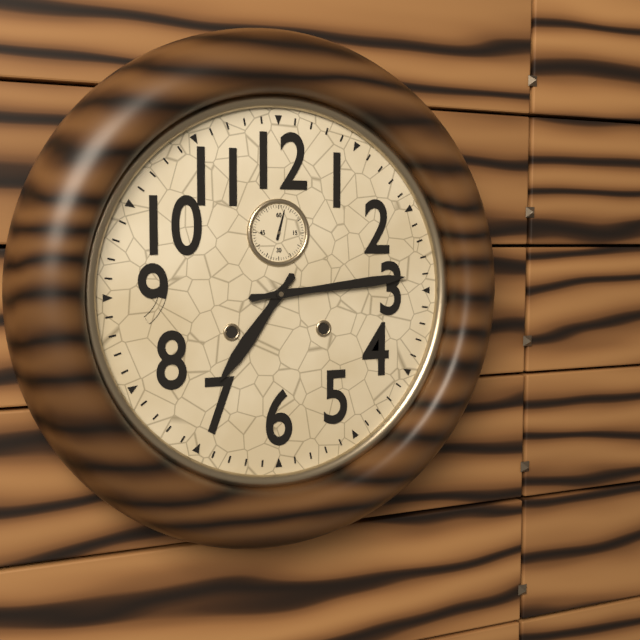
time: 7:14
